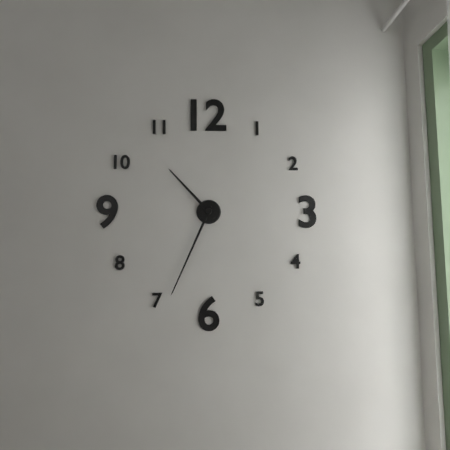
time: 10:34
